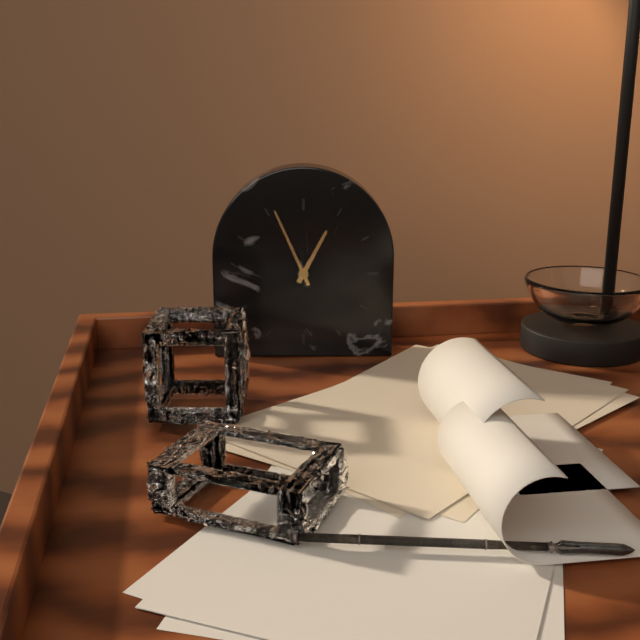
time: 12:56
